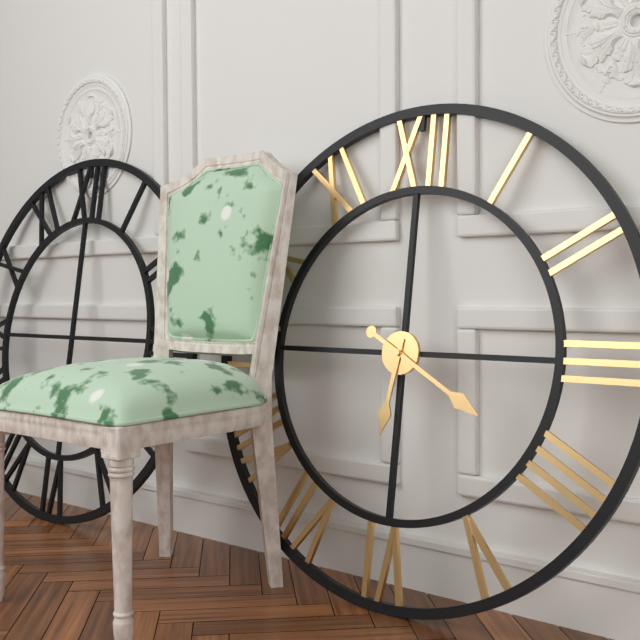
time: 6:20
